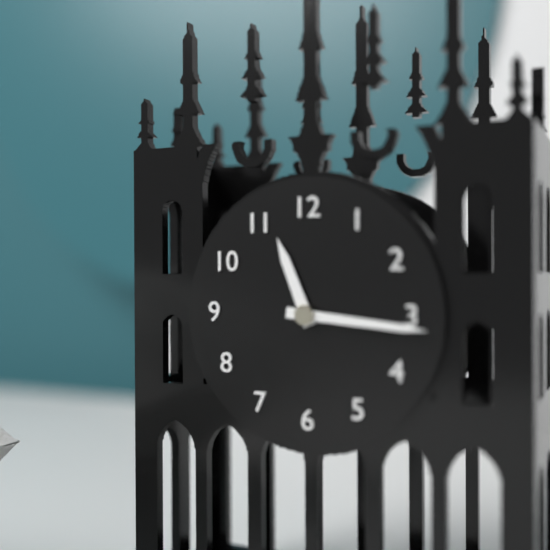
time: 11:16
